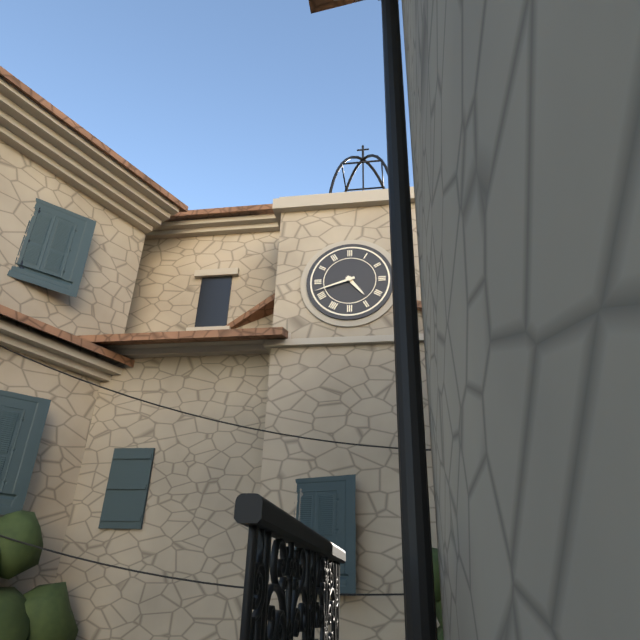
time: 4:42
